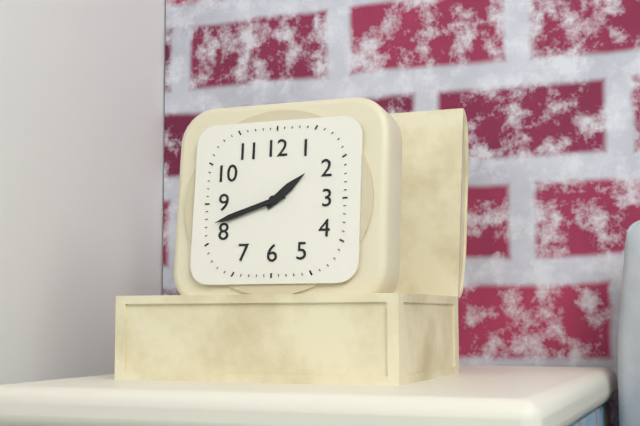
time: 1:42
